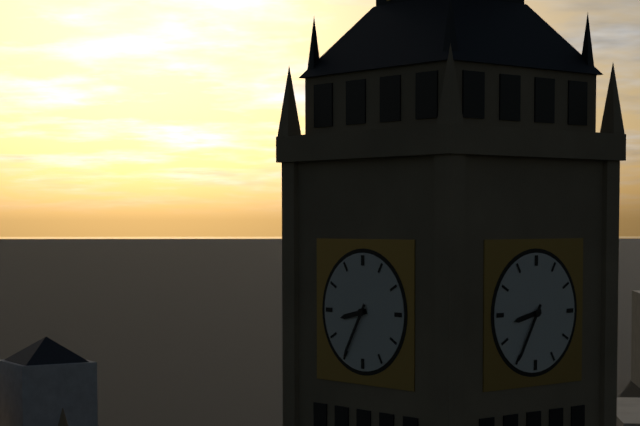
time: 8:35
